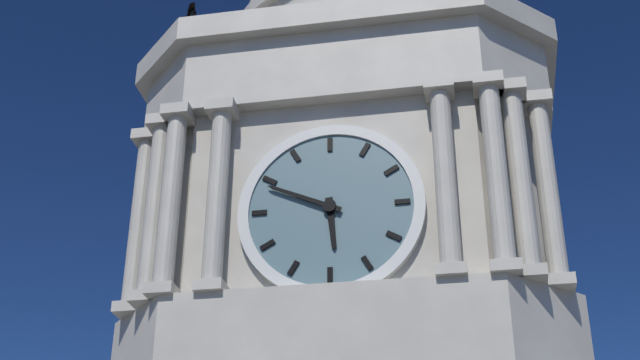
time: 5:49
